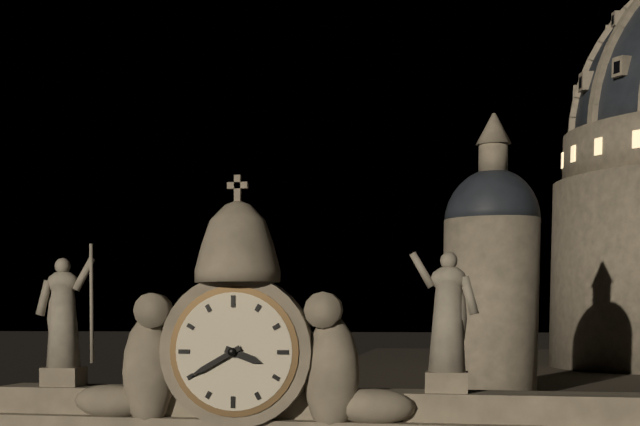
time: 3:40
